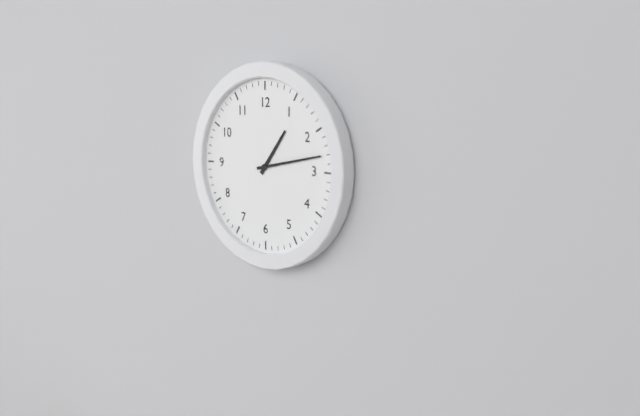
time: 1:13
